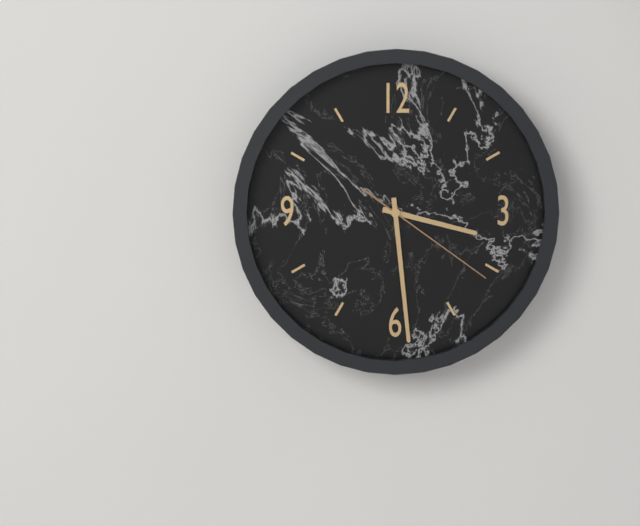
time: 3:29:21
